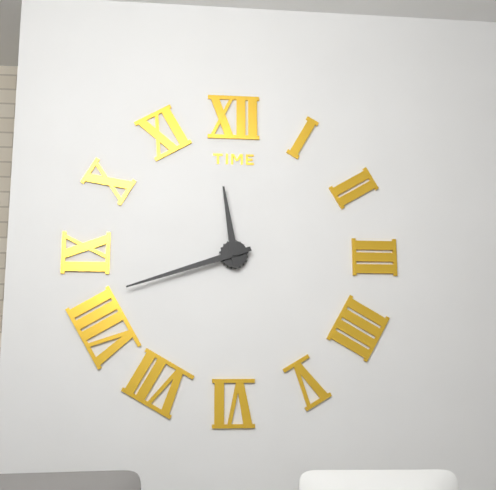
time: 11:42
